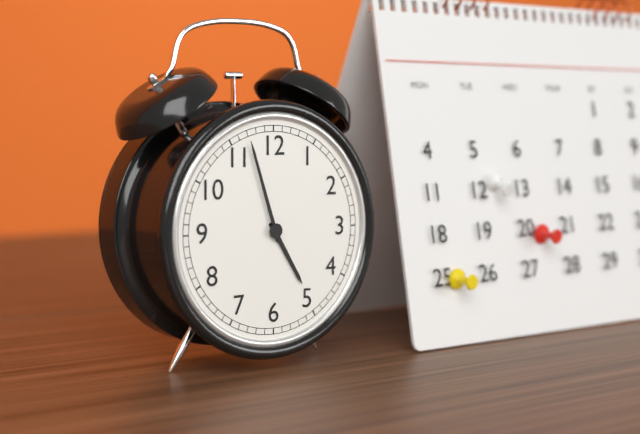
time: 4:57
